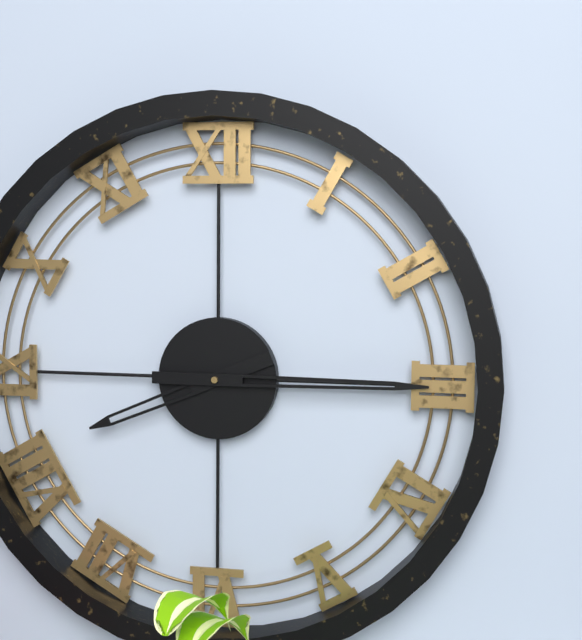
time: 8:15
